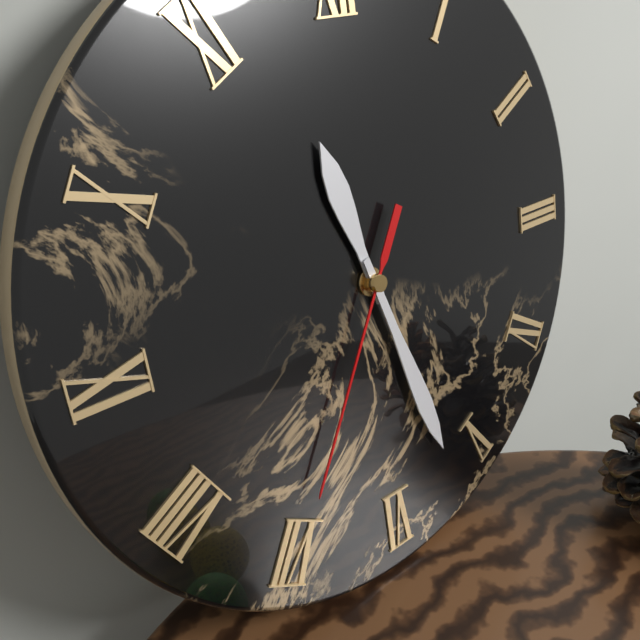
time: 11:27:35
